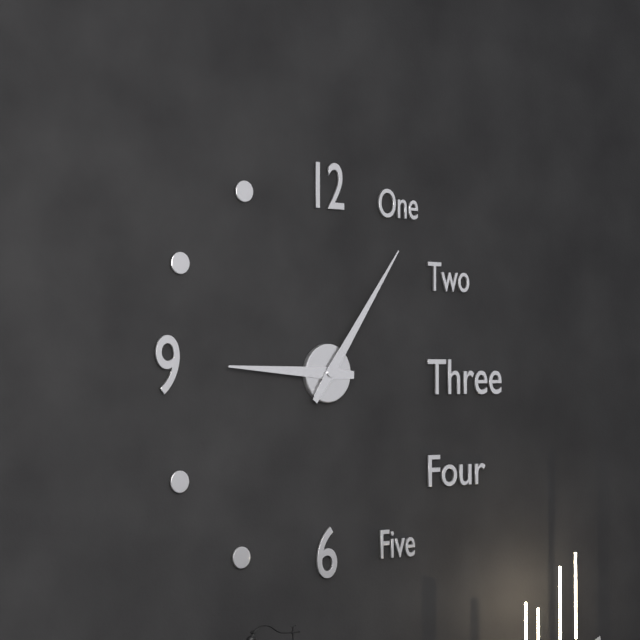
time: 9:06
